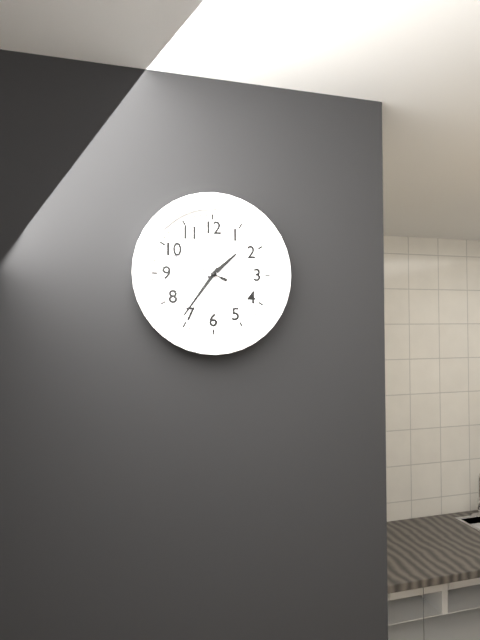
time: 1:36:49
